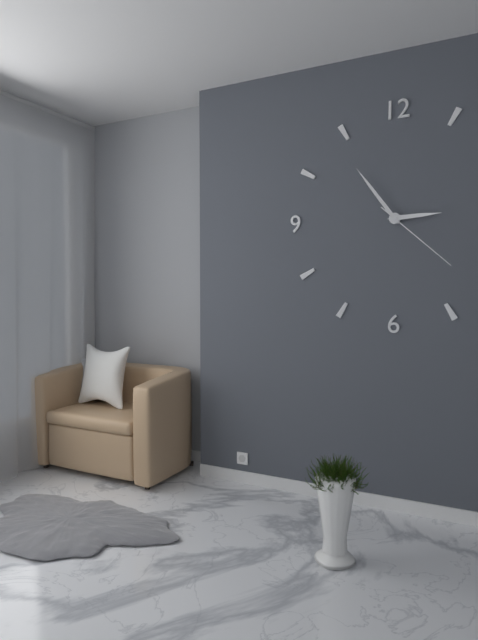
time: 2:54:22
